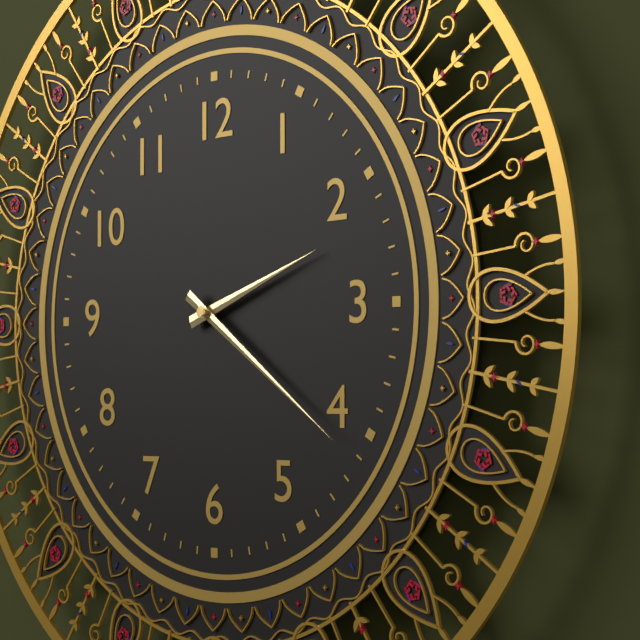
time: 2:21
